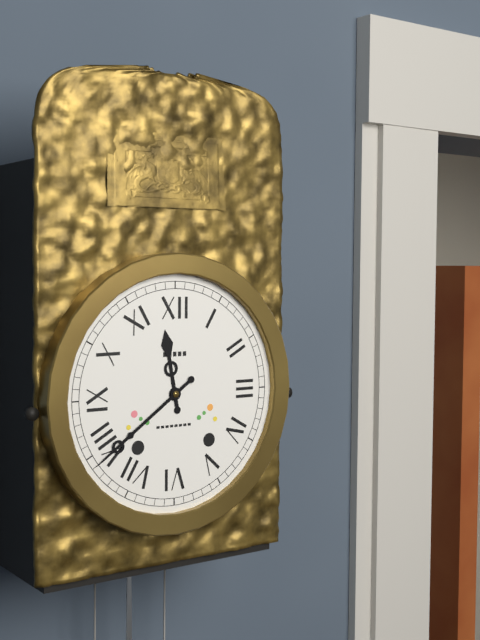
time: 11:39
